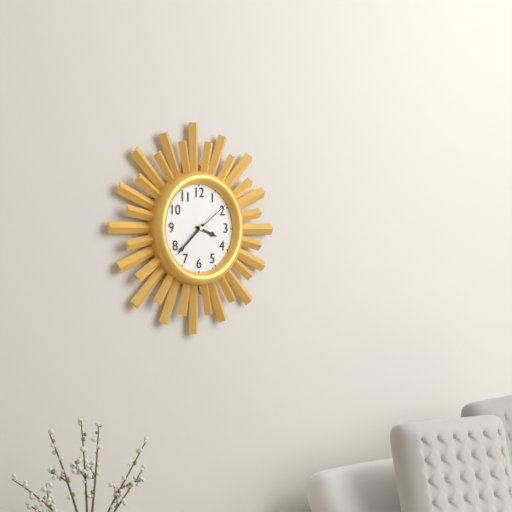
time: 3:38
